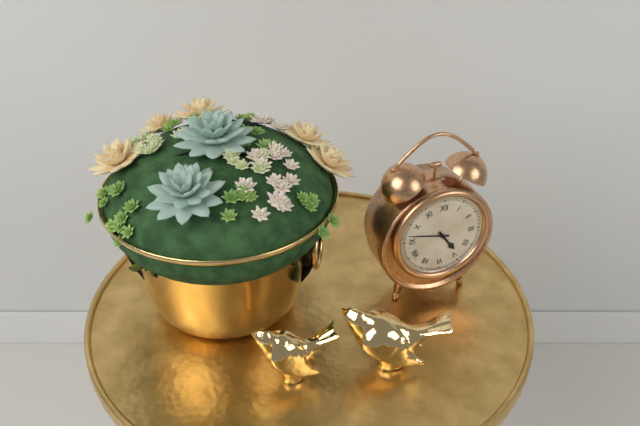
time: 4:47
